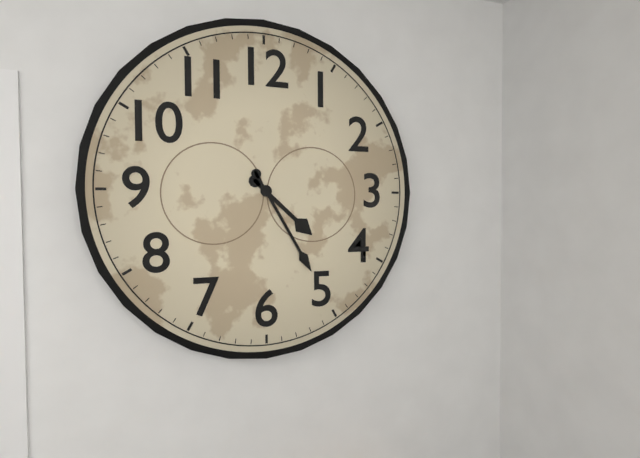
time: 4:25
